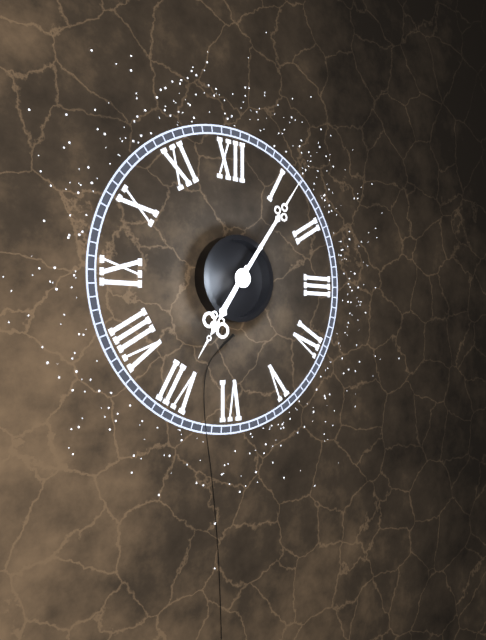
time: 7:06
